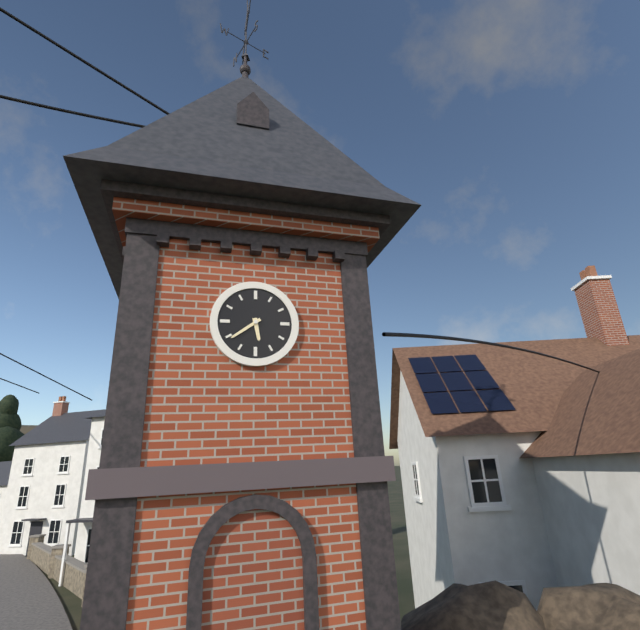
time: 5:39
